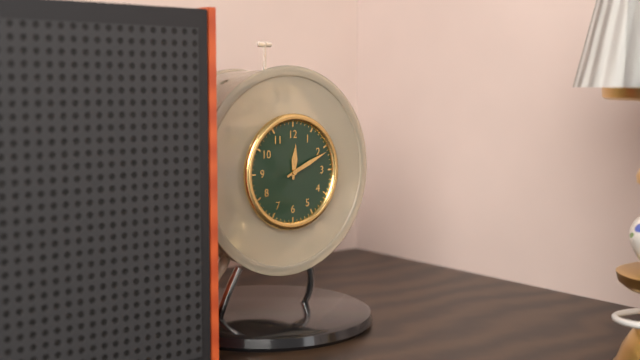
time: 12:11
